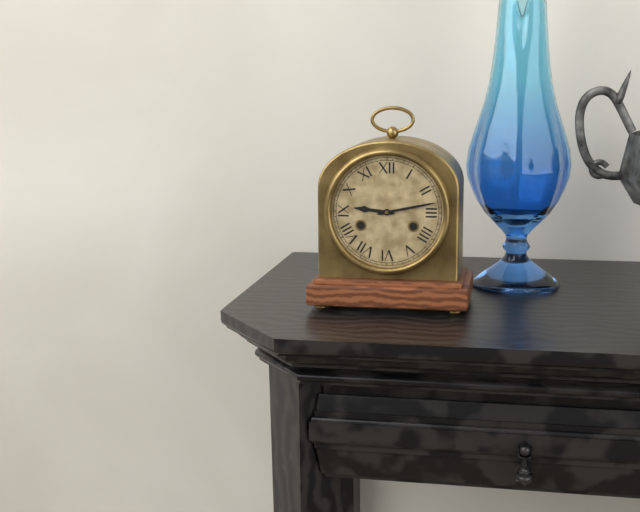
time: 9:13
